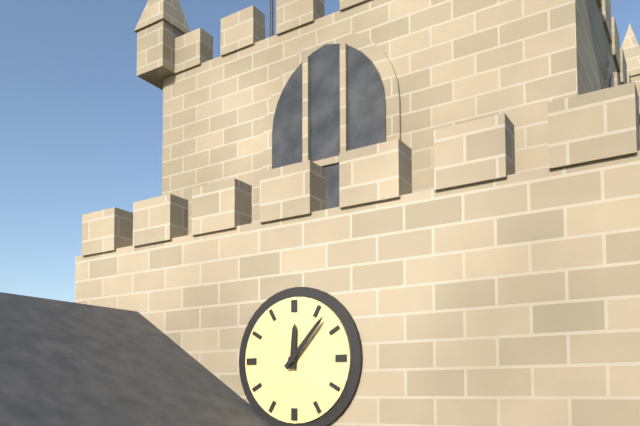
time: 12:07
